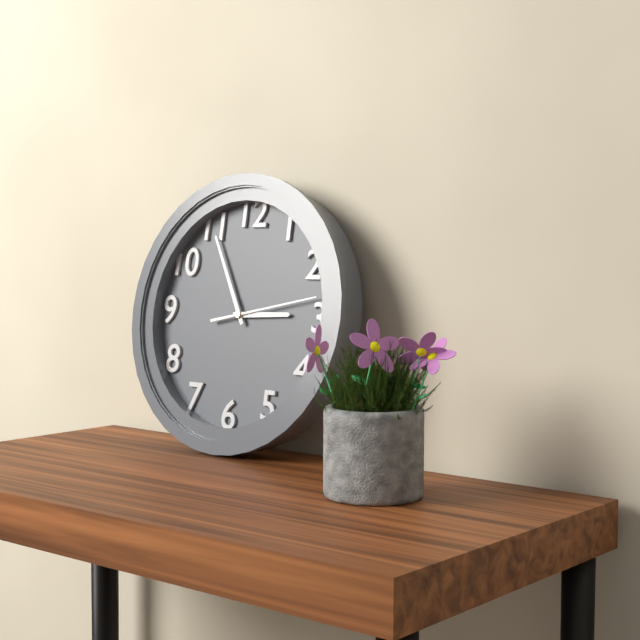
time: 2:55:13
